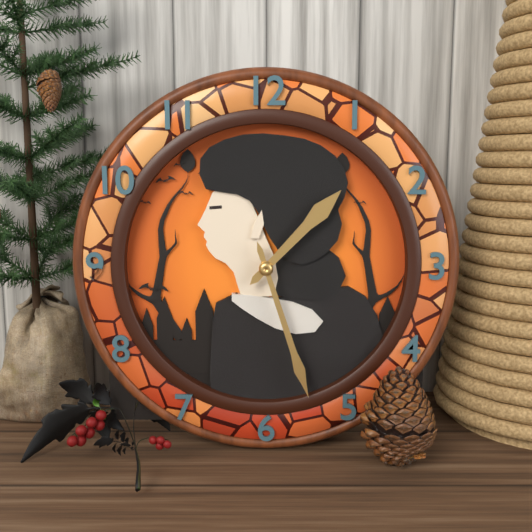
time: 1:27
